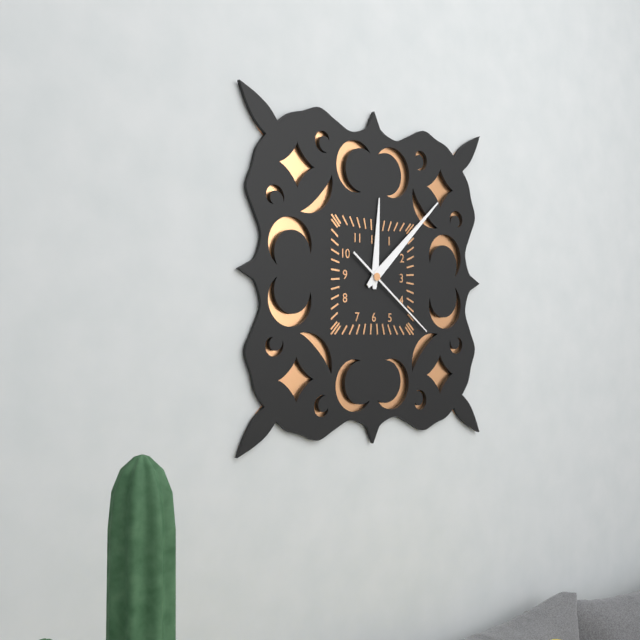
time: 12:08:21
